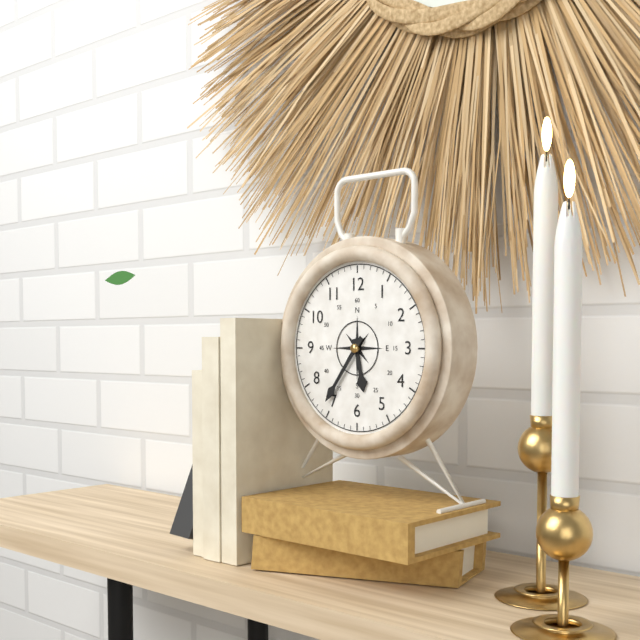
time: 5:36
